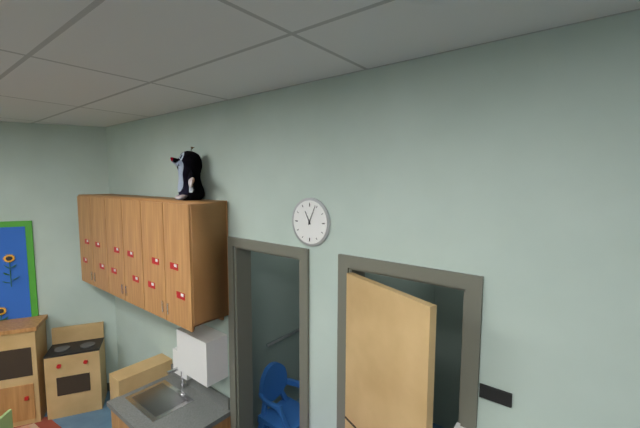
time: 11:04
